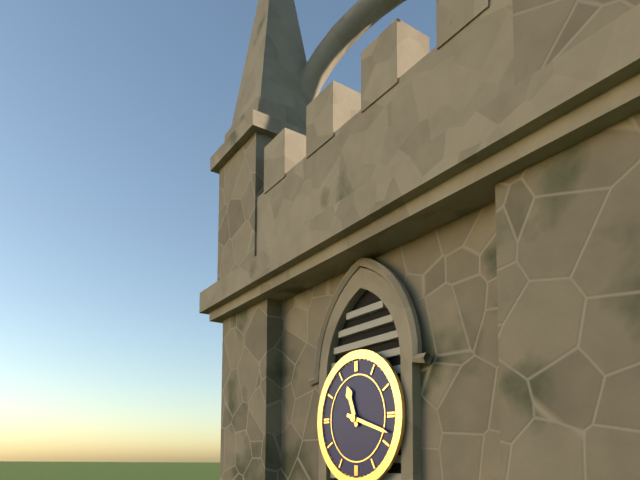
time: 11:18
